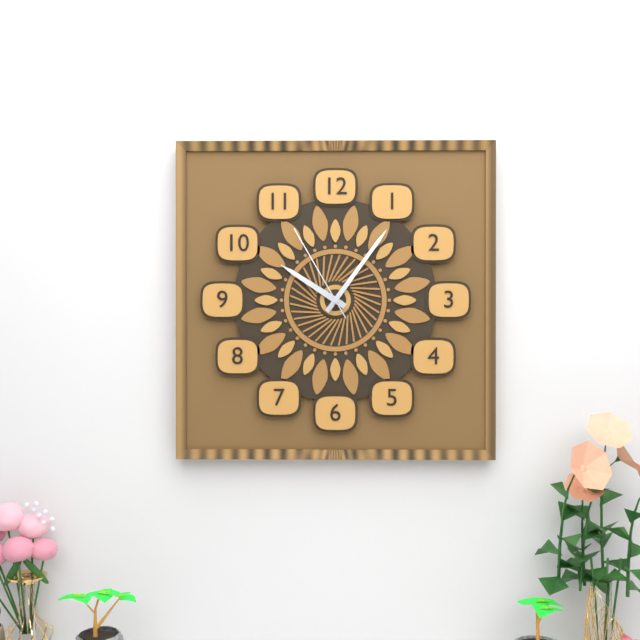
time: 10:06:55
